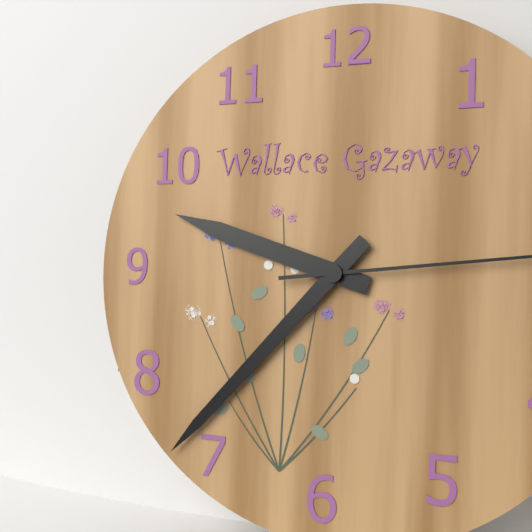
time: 9:37
